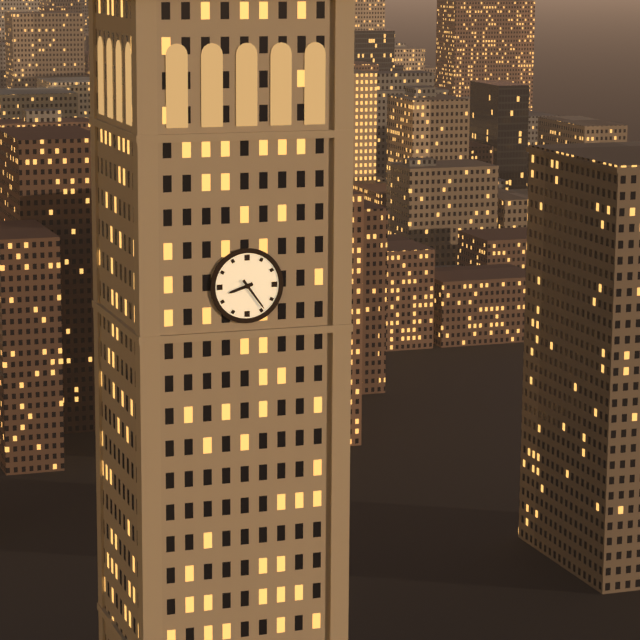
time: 8:24
